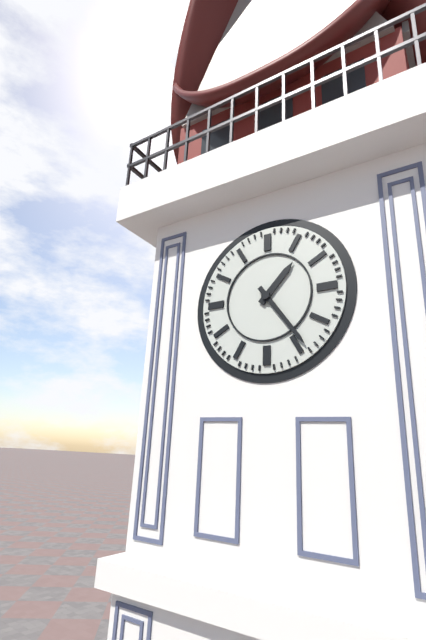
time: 1:24
